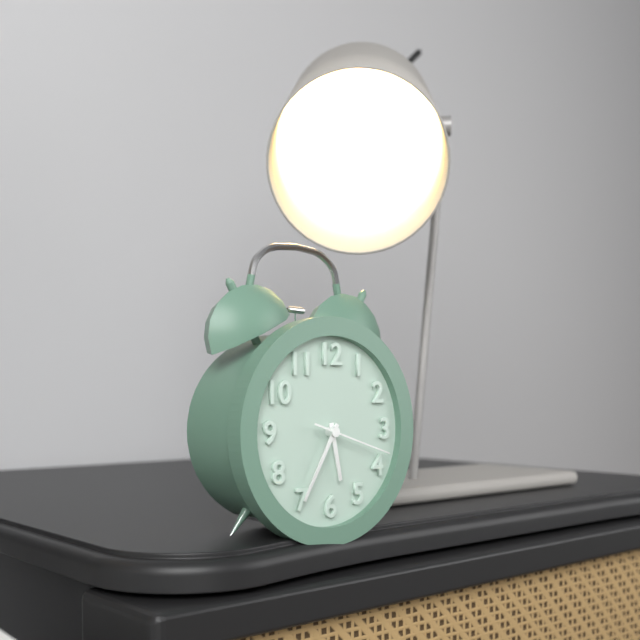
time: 5:35:18
